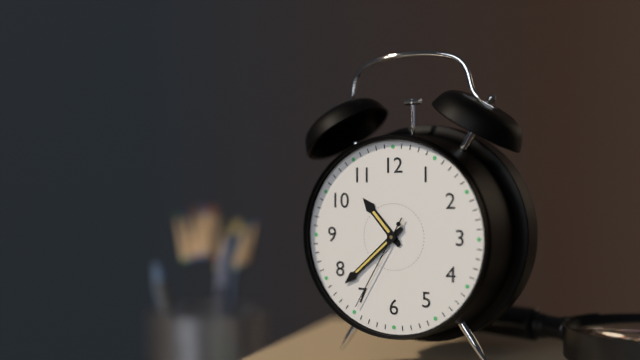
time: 10:38:35
